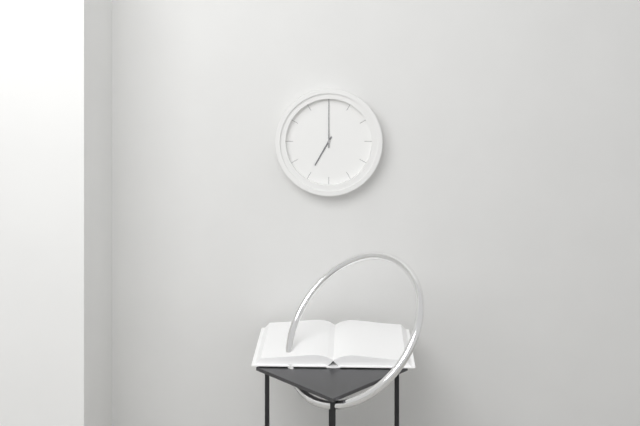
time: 7:00
